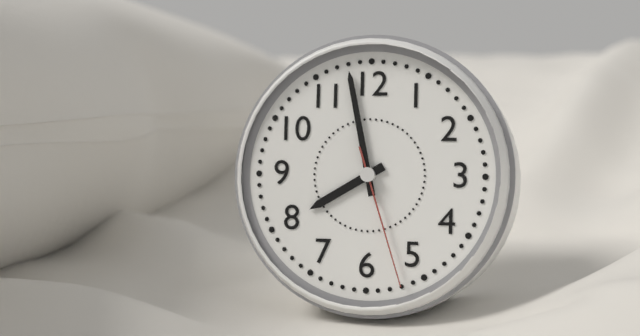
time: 7:58:27
